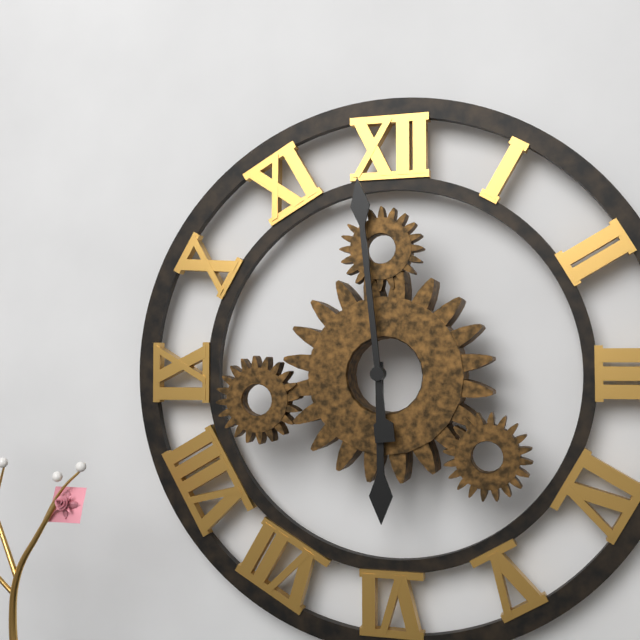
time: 5:59
